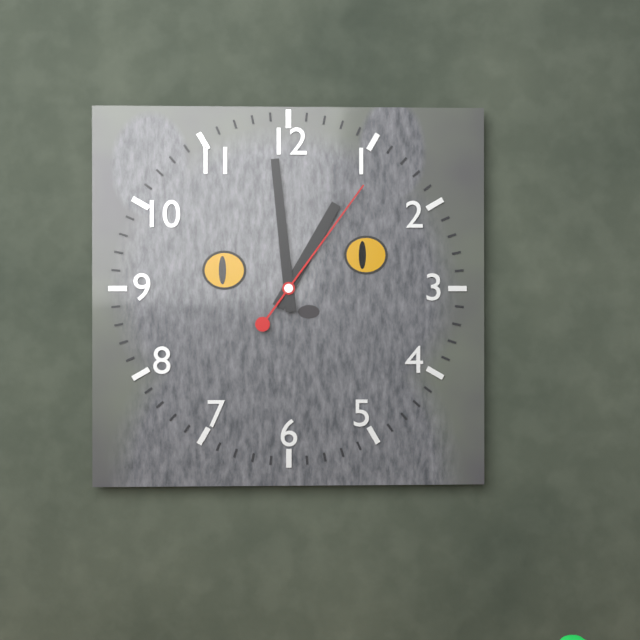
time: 12:59:06
